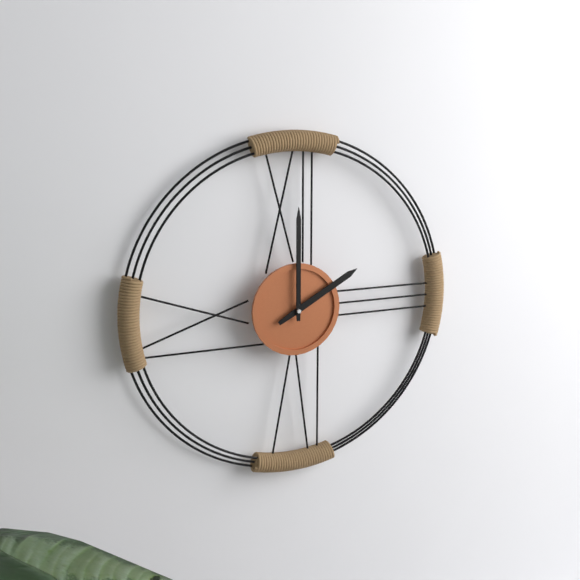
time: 2:00
